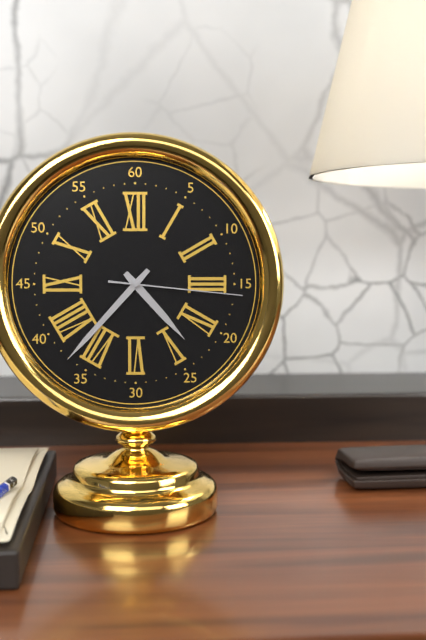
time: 4:37:16
